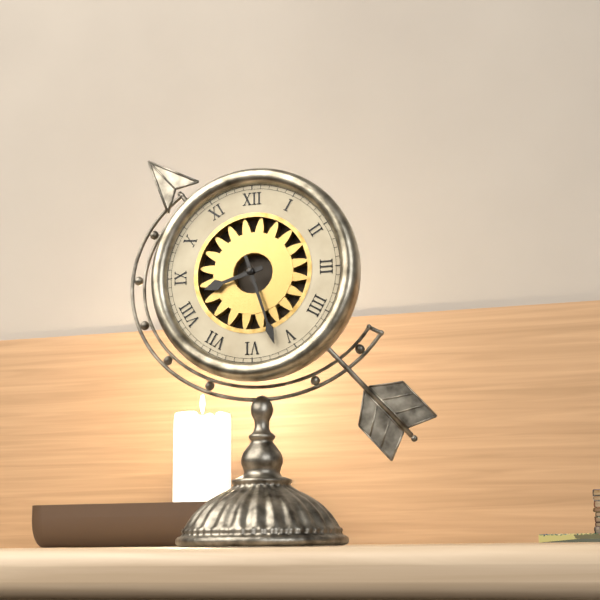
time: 8:27
